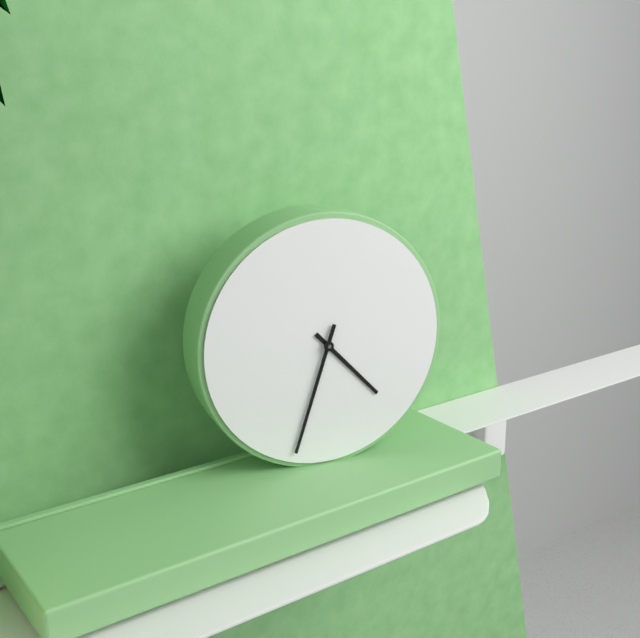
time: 4:33
